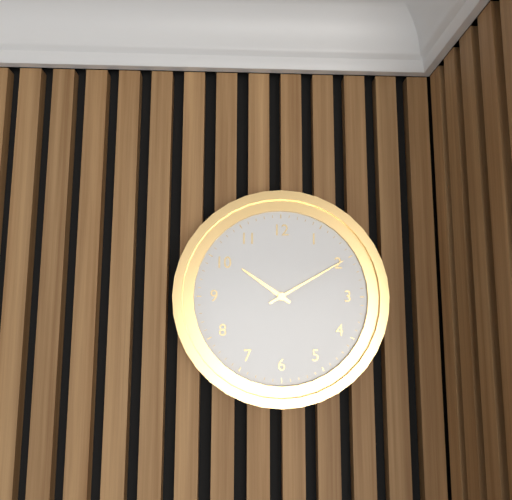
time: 10:10
